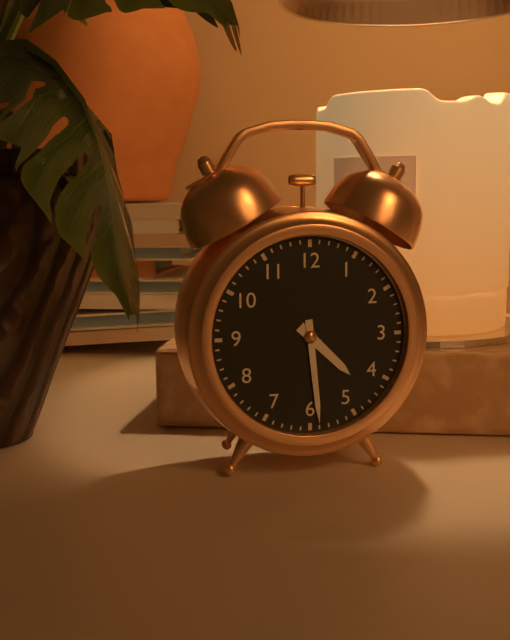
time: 4:29
